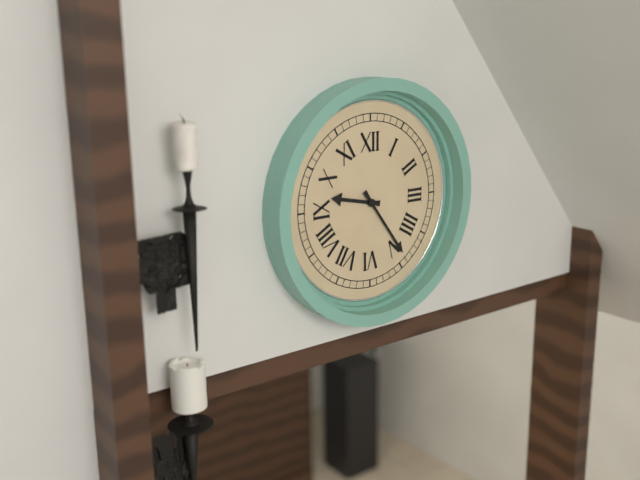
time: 9:24
